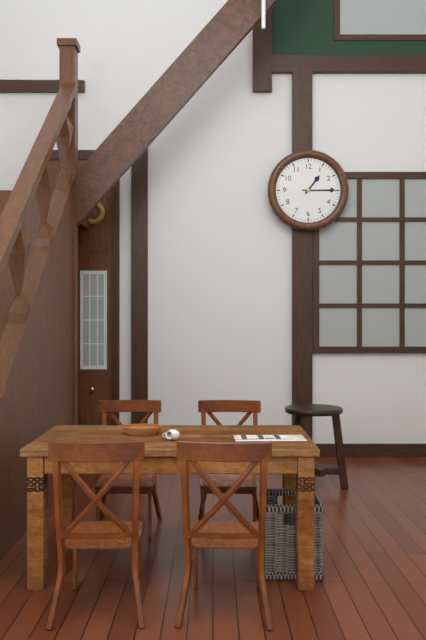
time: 1:15
